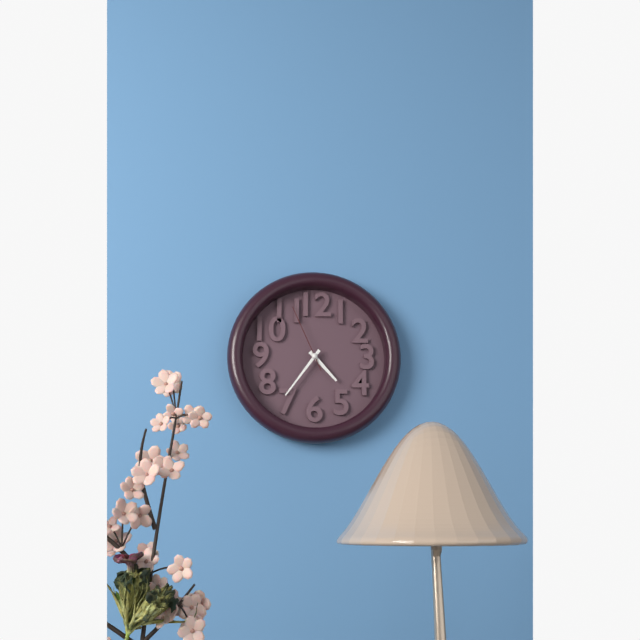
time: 4:36:56
